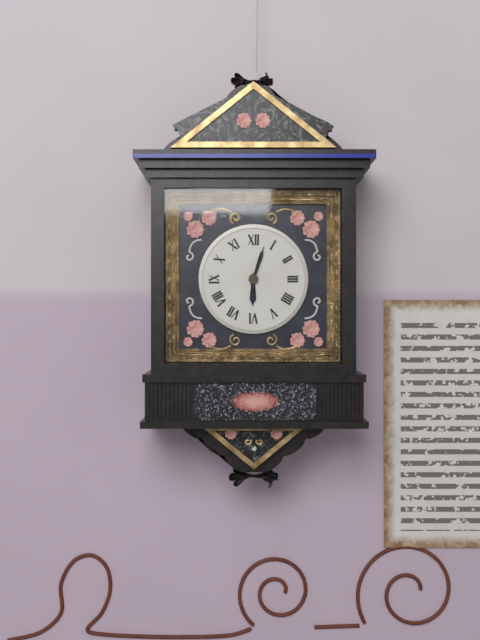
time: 6:03
